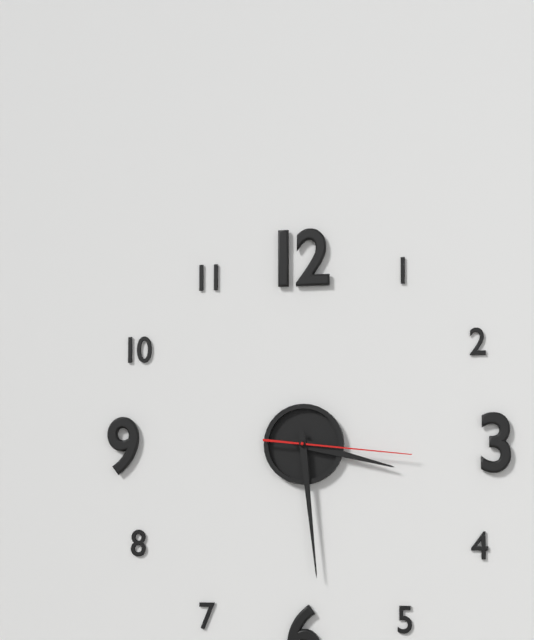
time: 3:29:16
